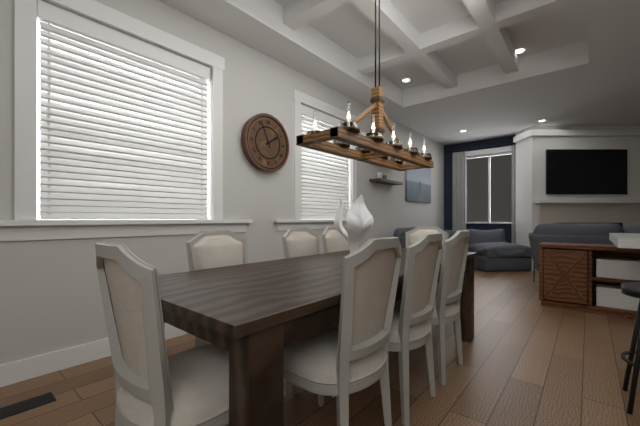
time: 1:56
